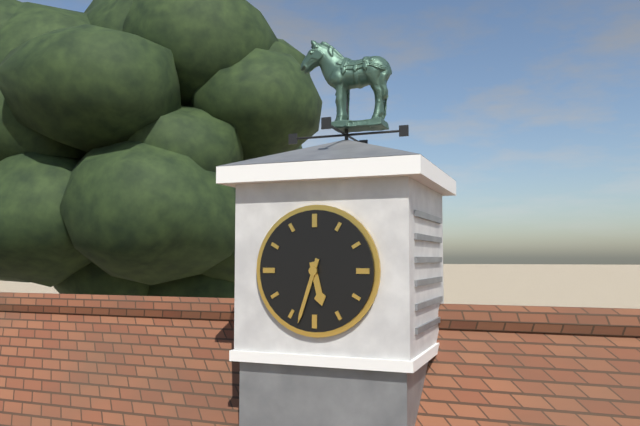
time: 5:33
